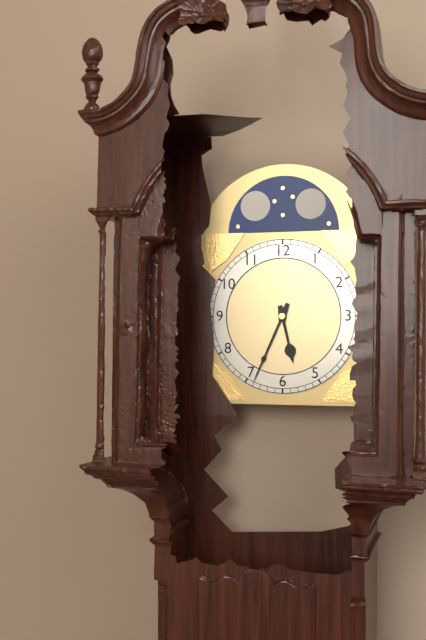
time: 5:34
